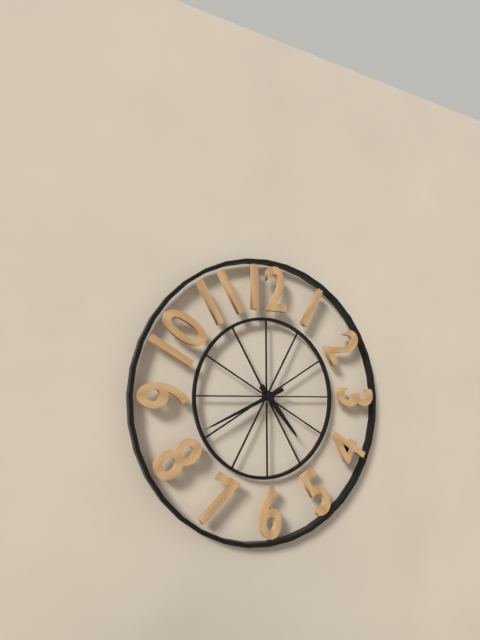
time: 4:41
